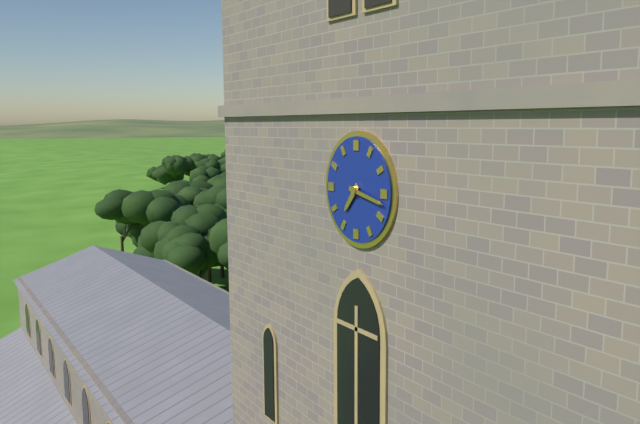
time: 7:17
